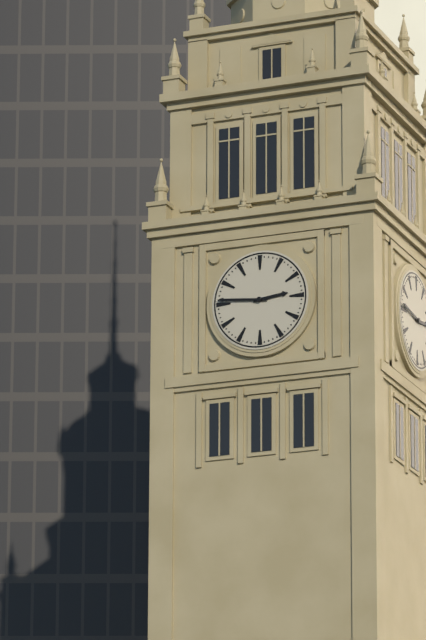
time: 2:46
